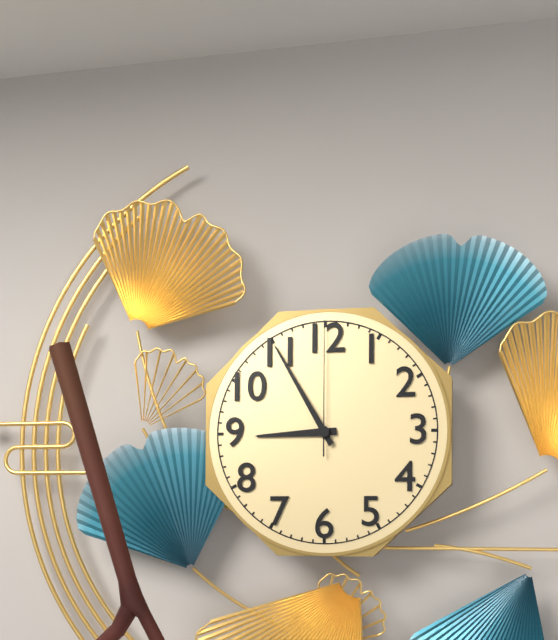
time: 8:55:00
